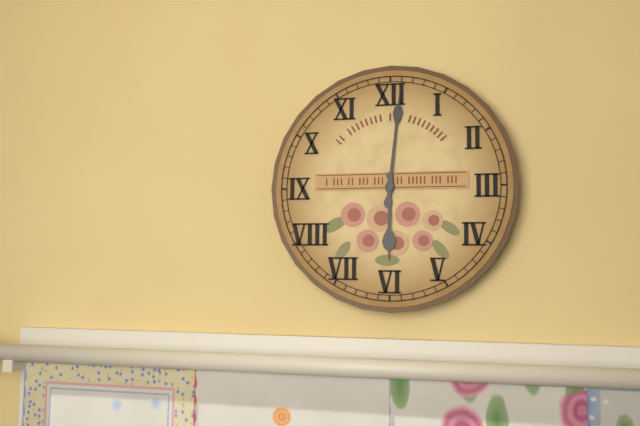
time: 6:01
